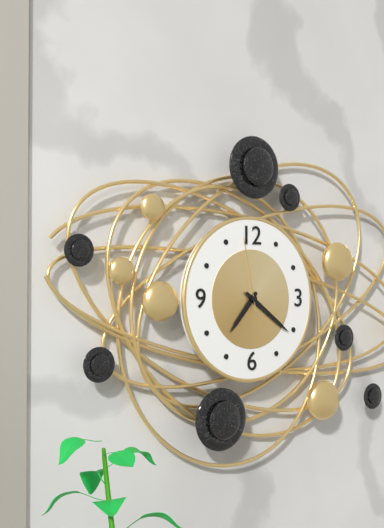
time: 7:21:58
